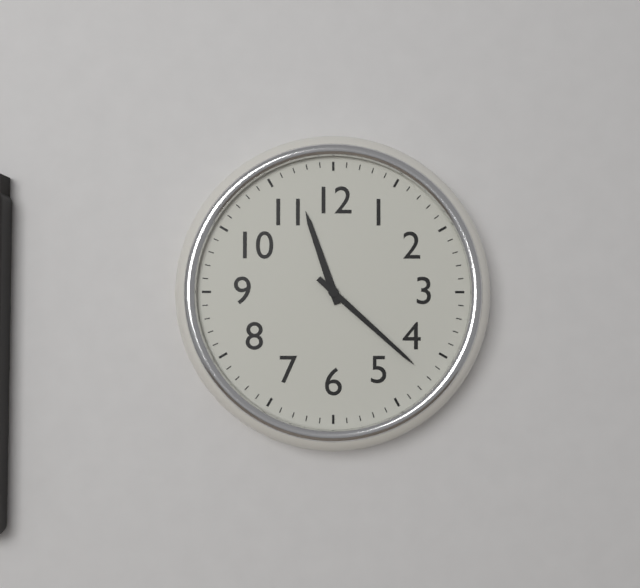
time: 11:22
